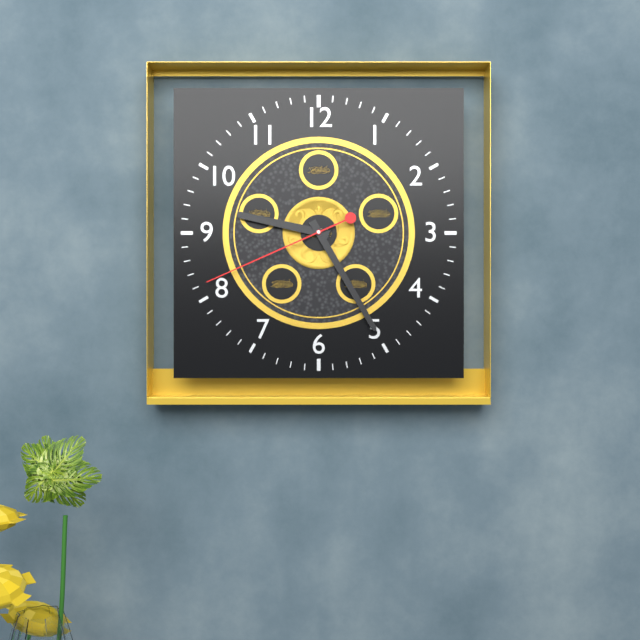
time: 9:25:41
